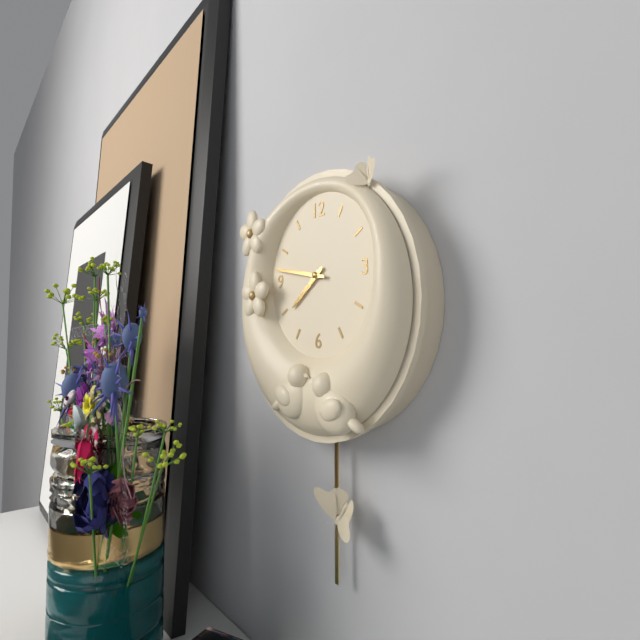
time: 7:47
